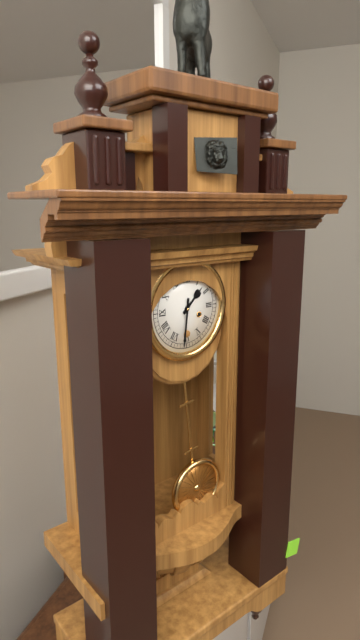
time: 1:31
